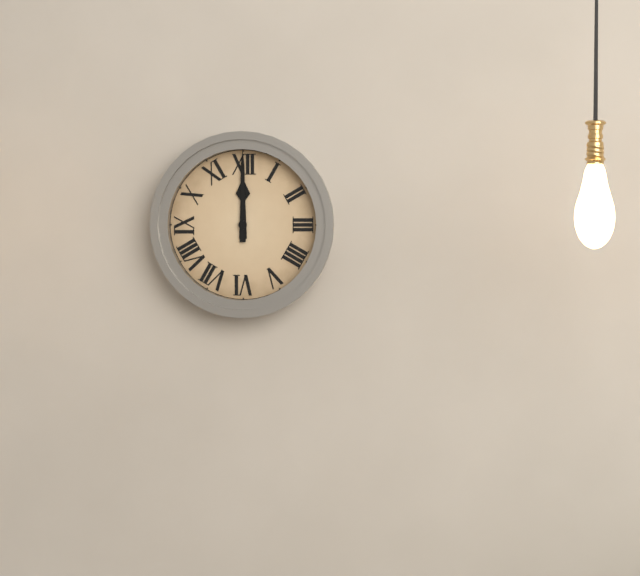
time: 12:00
